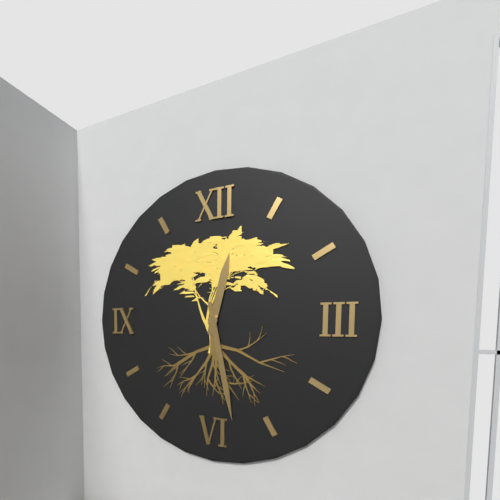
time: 12:28
